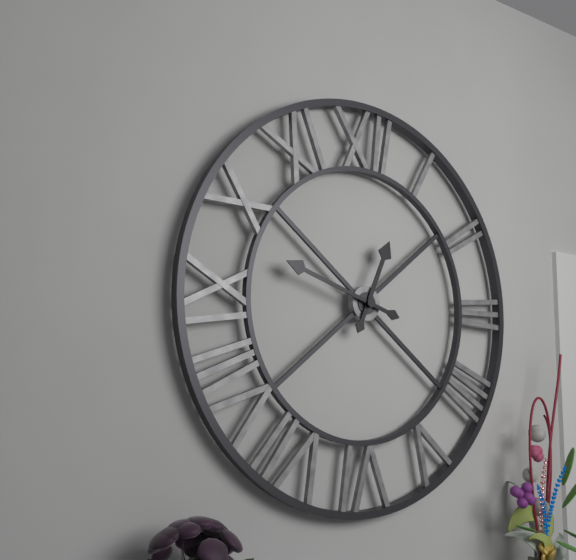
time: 12:48
